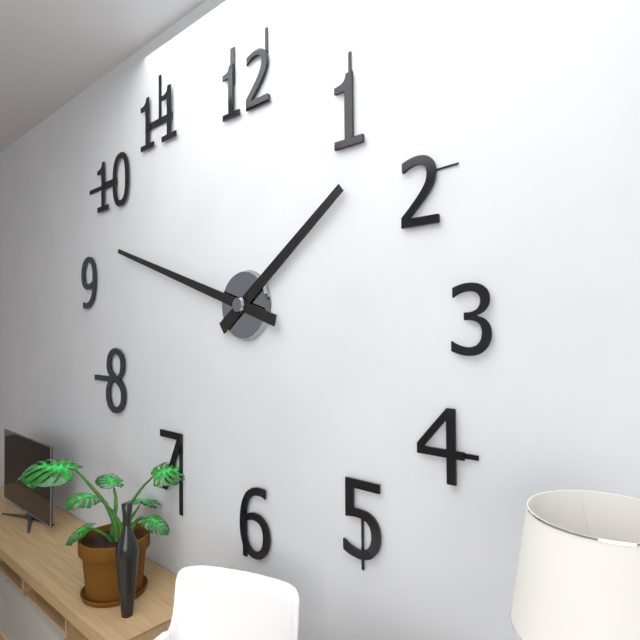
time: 1:48
